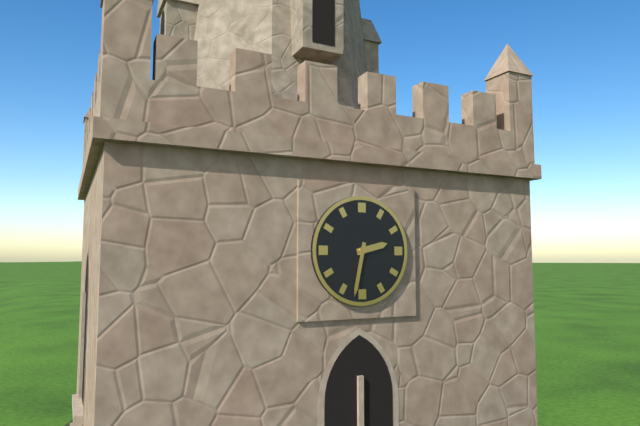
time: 2:32
